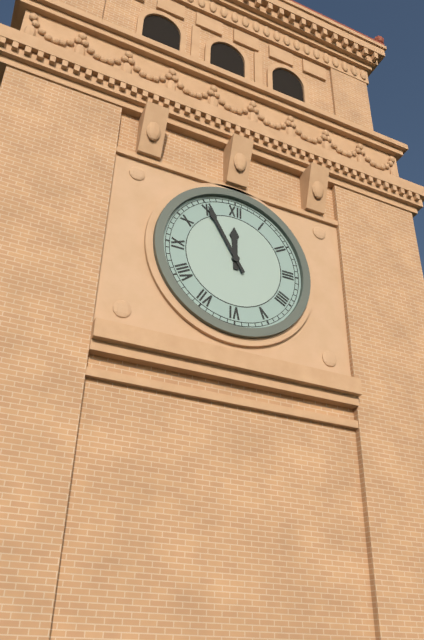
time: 11:55
